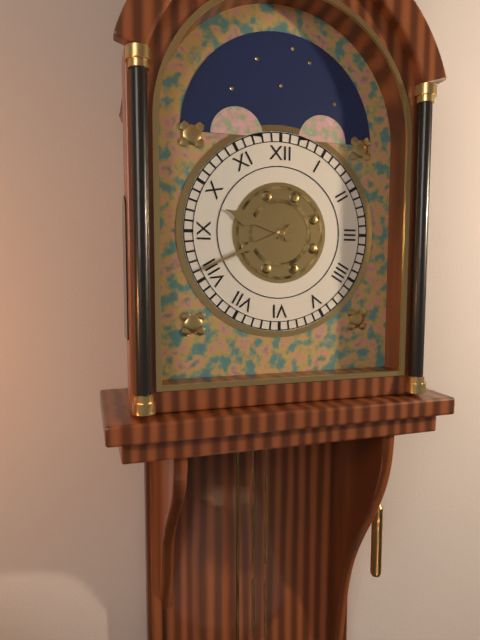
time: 9:41
